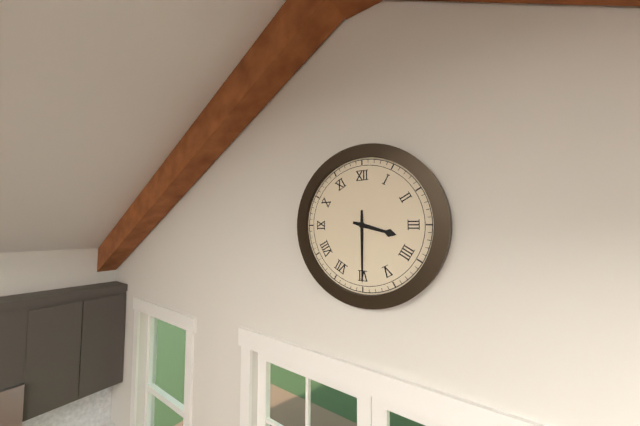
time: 3:30
